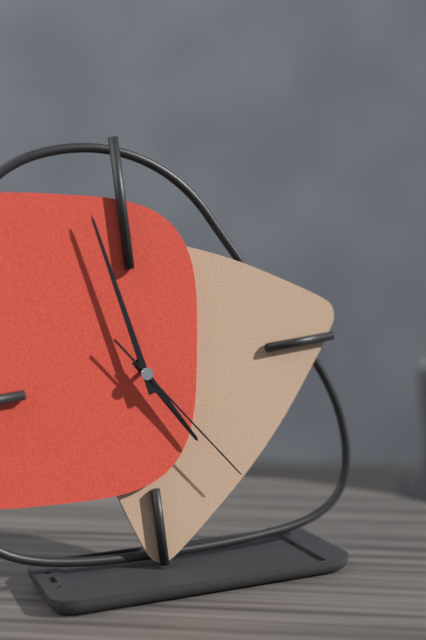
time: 4:58:24
